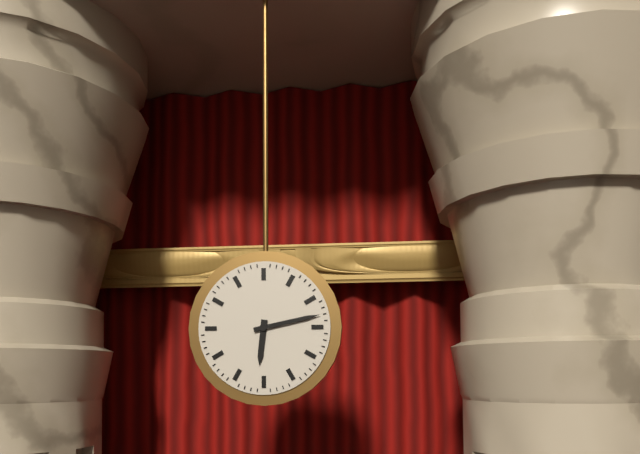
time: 6:13
